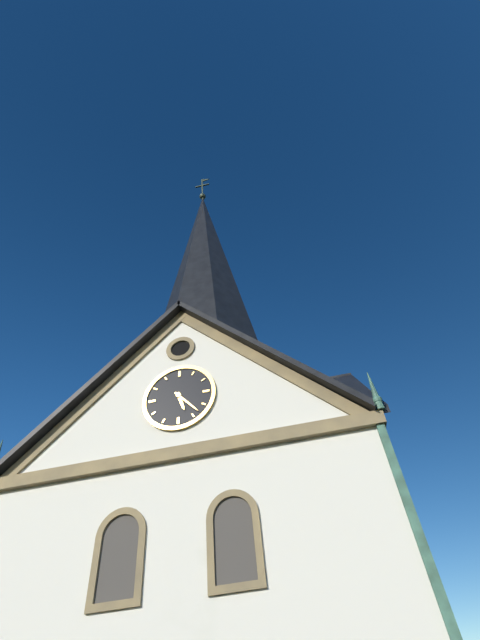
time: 5:23
